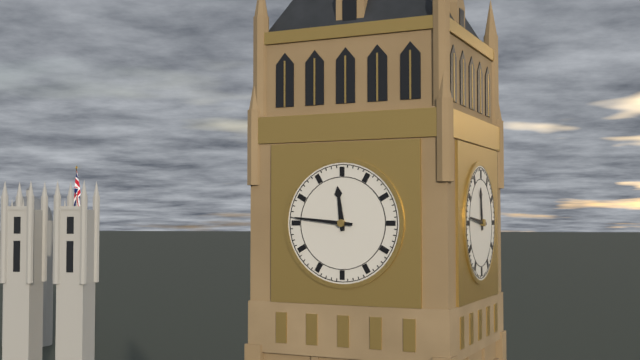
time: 11:46
